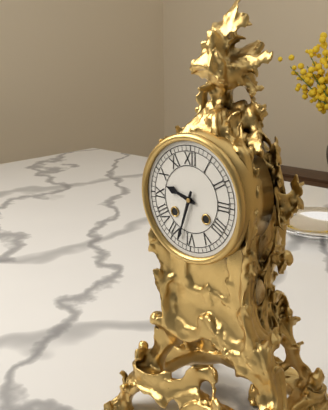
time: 9:33
